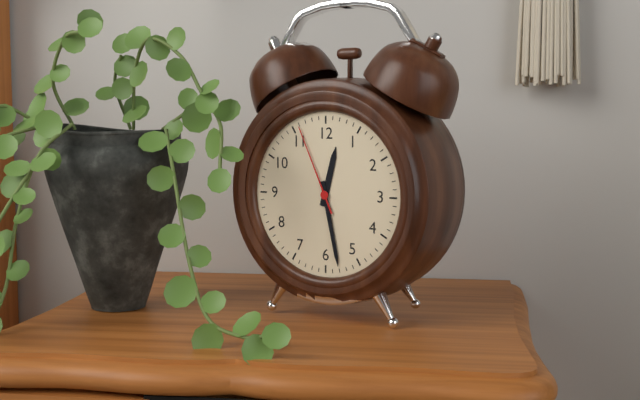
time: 12:28:56
